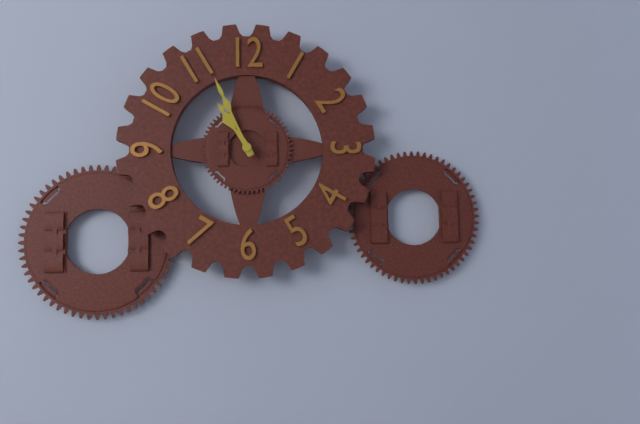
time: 10:56
